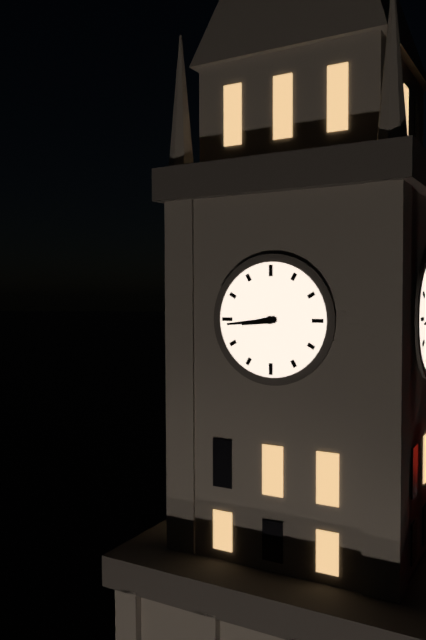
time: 8:44
